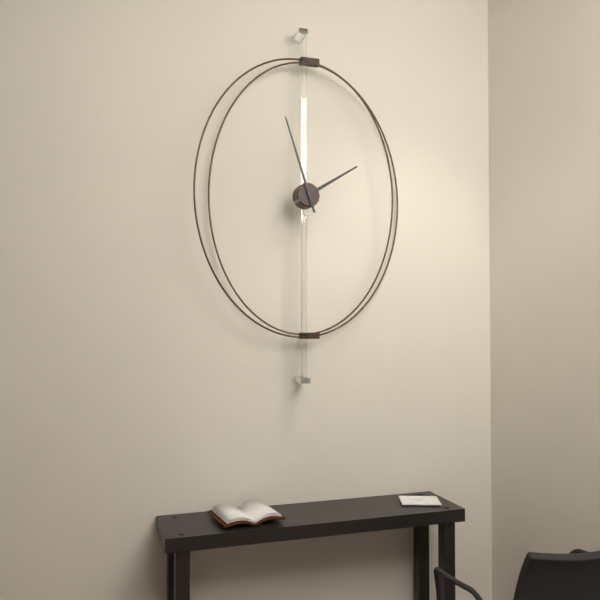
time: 1:57
